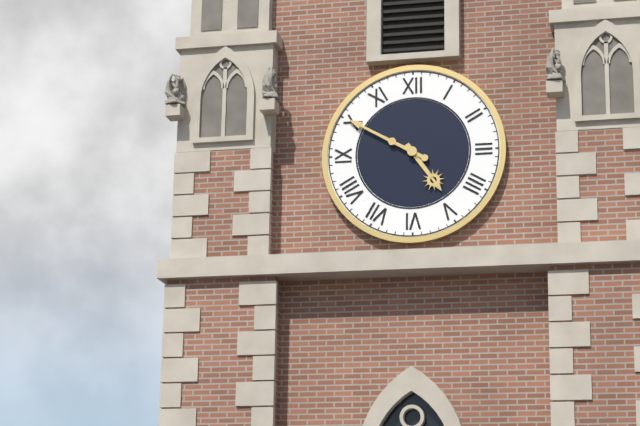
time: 4:50
